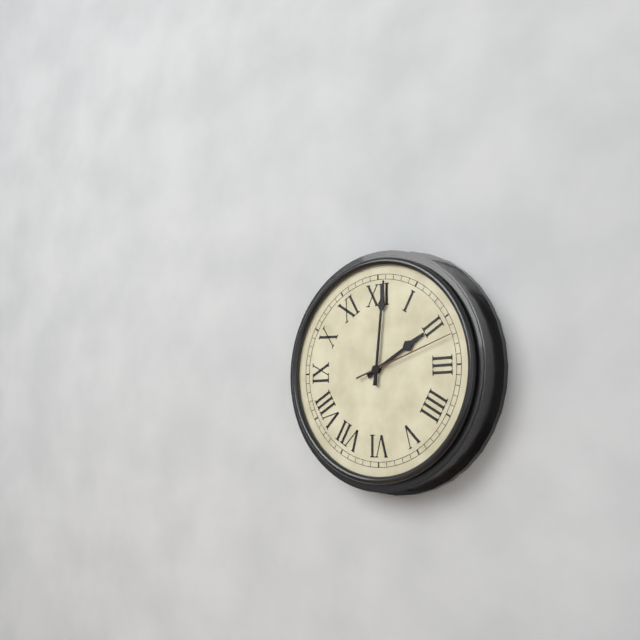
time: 2:01:12
